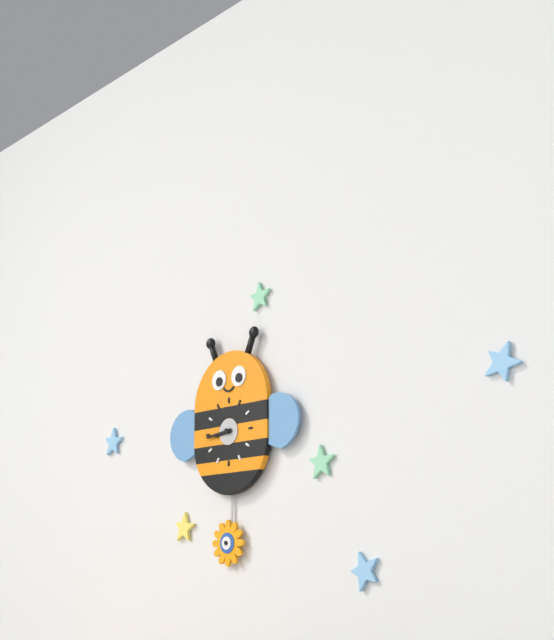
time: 8:44
